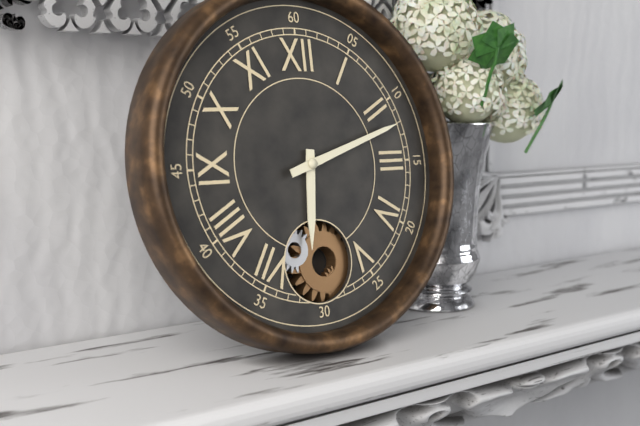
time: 6:12
